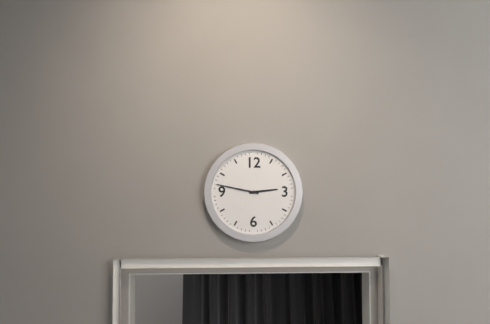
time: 2:47
